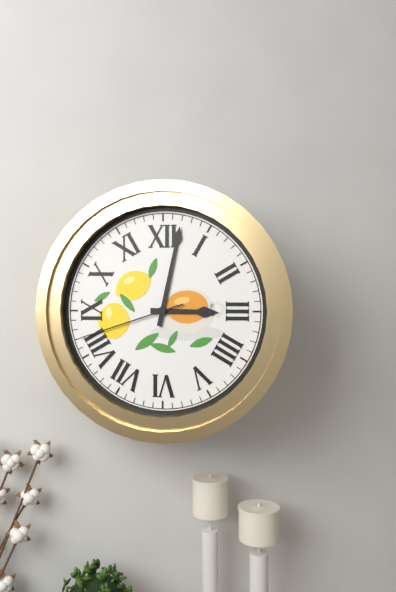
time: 3:02:42
